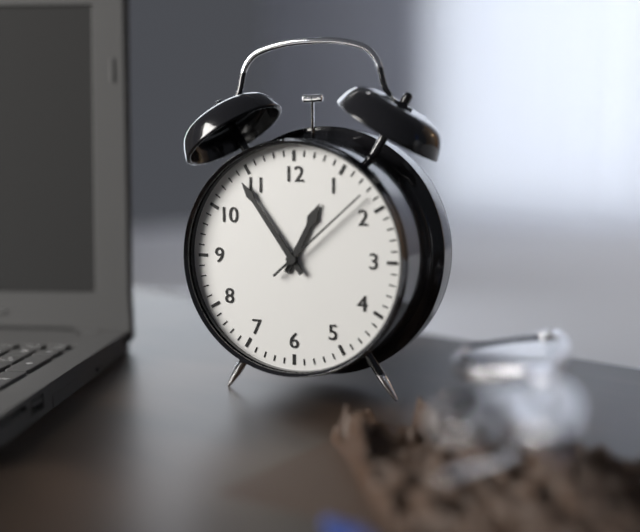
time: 12:54:08
